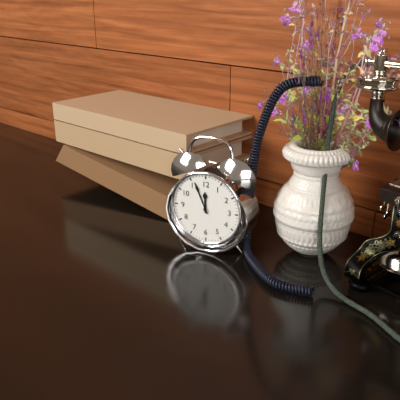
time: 11:56
